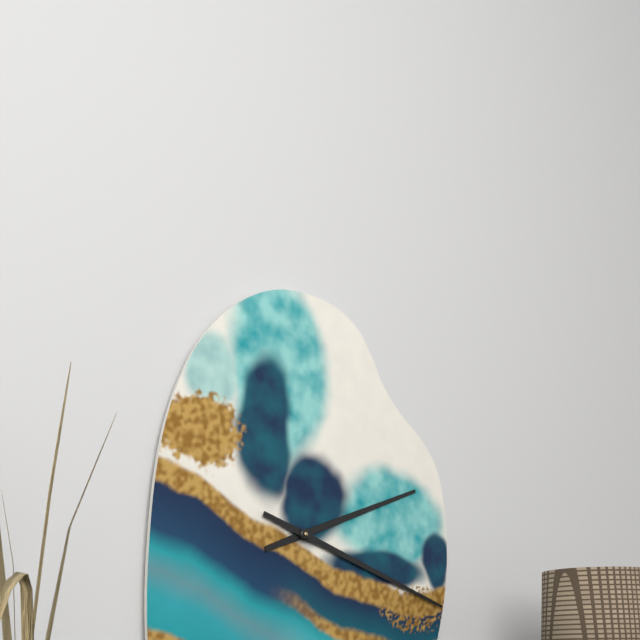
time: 2:18
